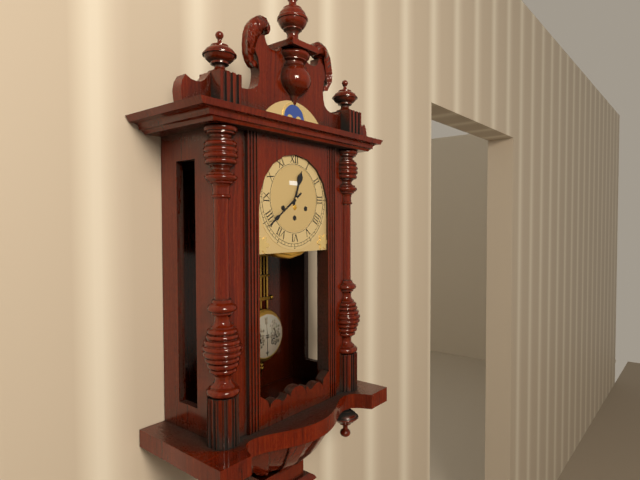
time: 12:39
